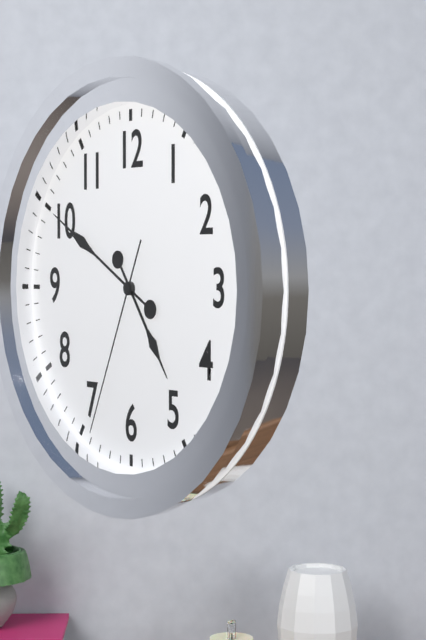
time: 4:50:34
